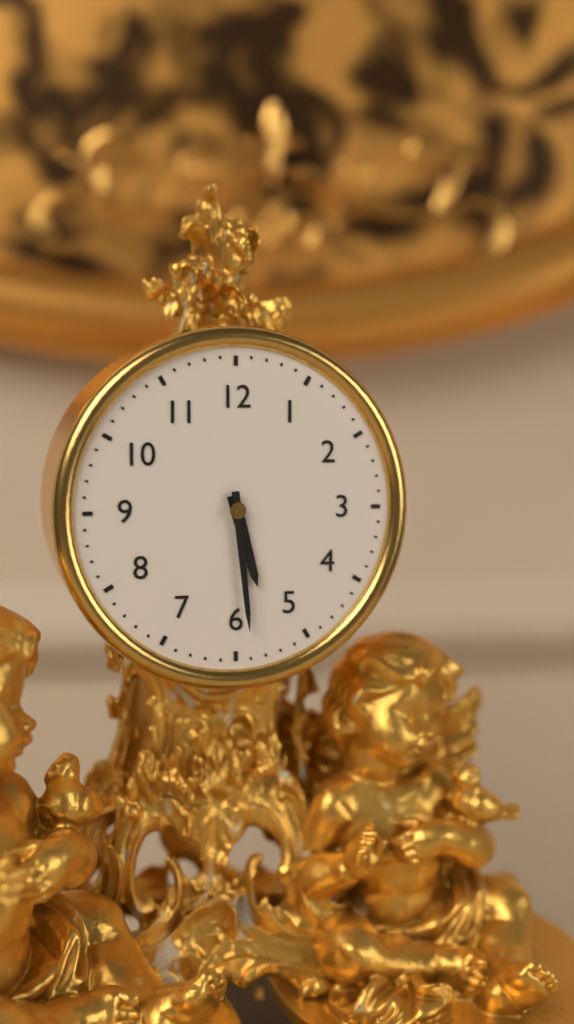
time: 5:29
